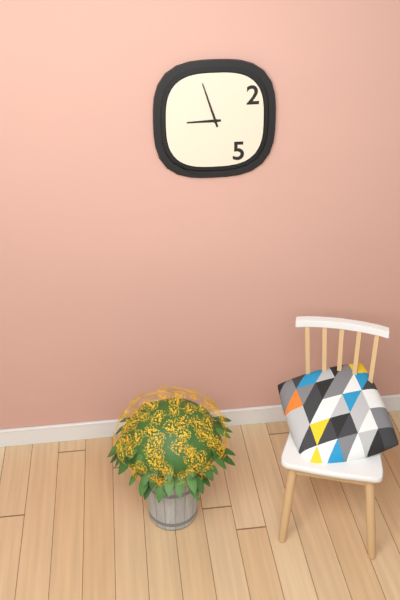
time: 8:57
